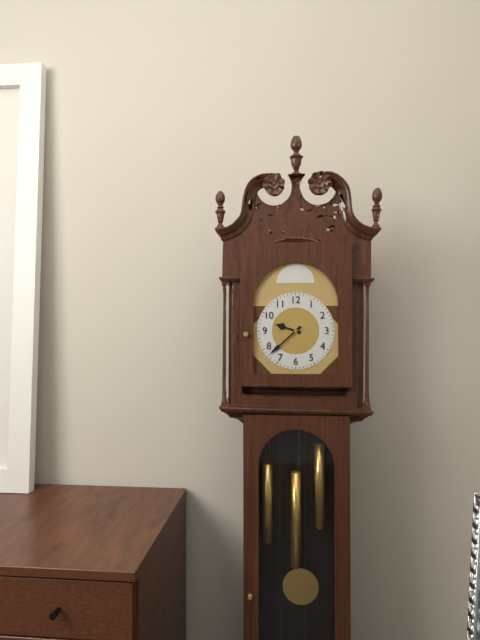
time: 9:38
